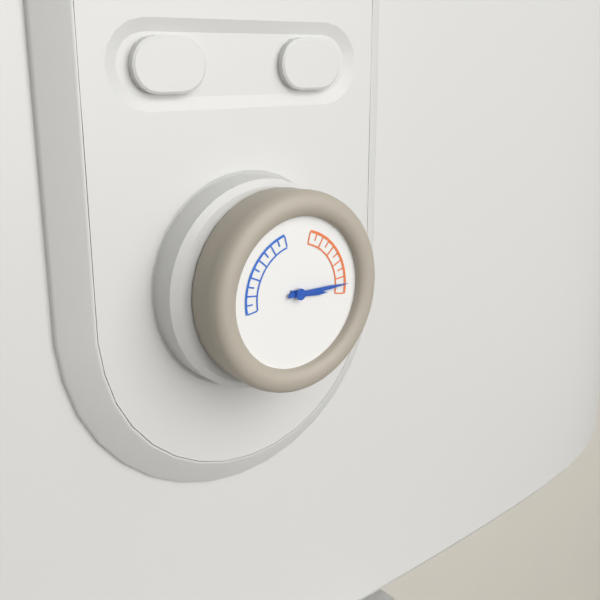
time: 3:15
